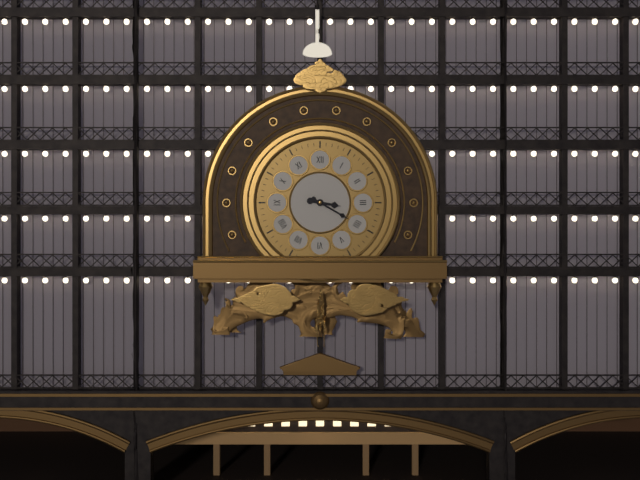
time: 3:20
